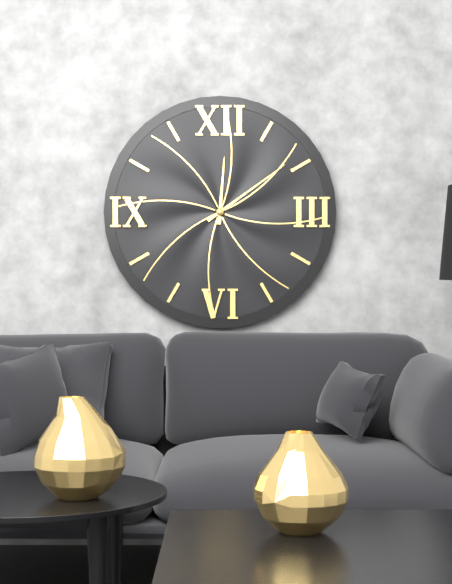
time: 12:09
